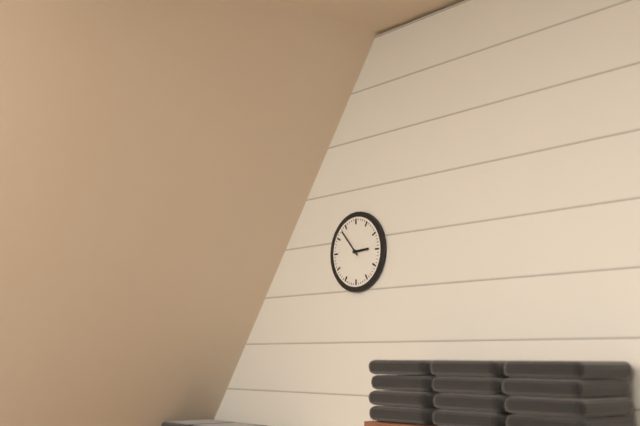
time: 2:53
